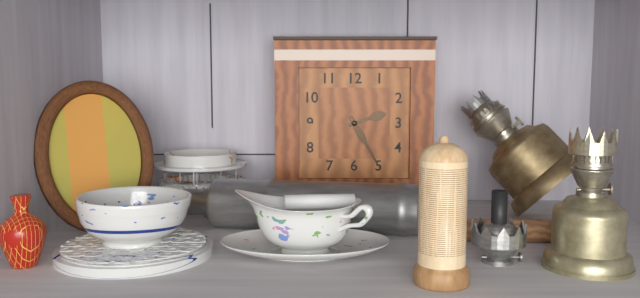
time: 2:25
